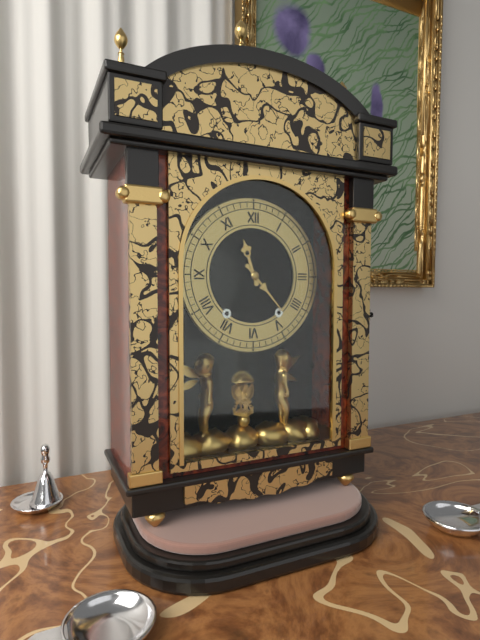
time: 11:23
